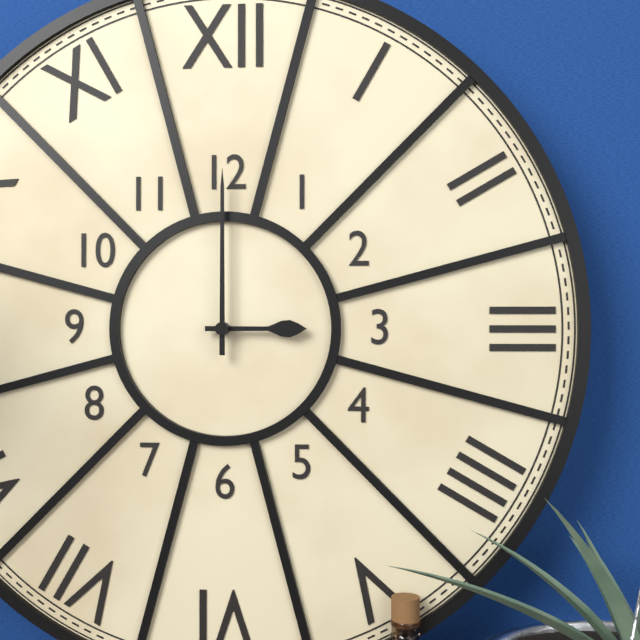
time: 3:00
